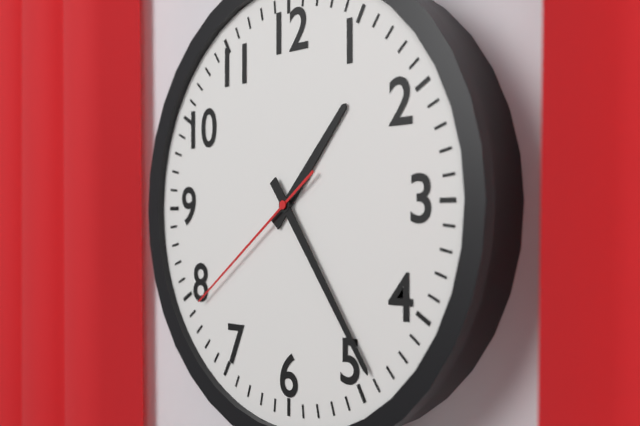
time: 1:24:39
